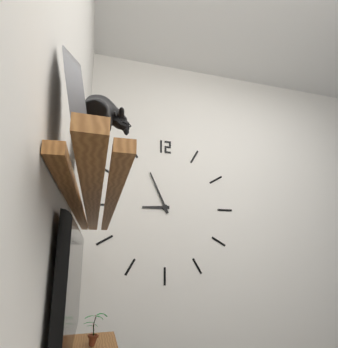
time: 8:56
